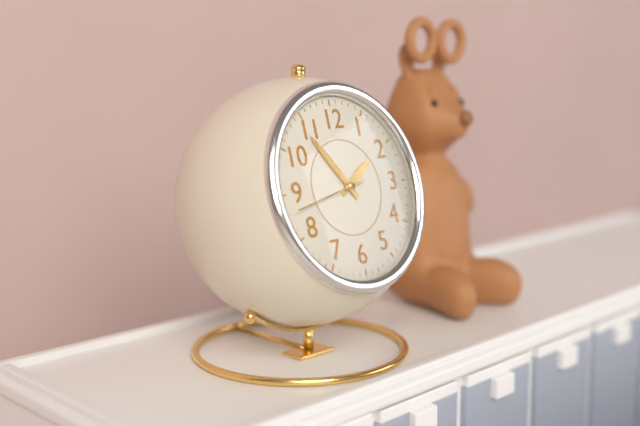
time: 1:54:43
